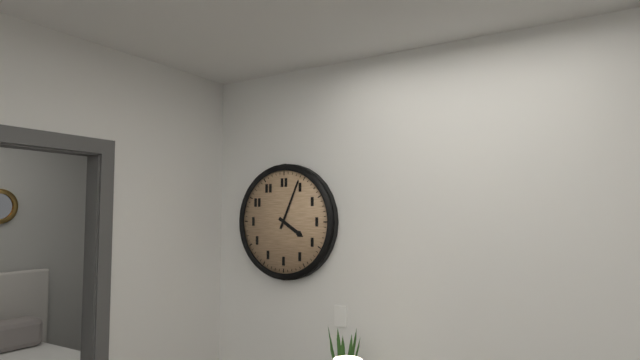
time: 4:04
